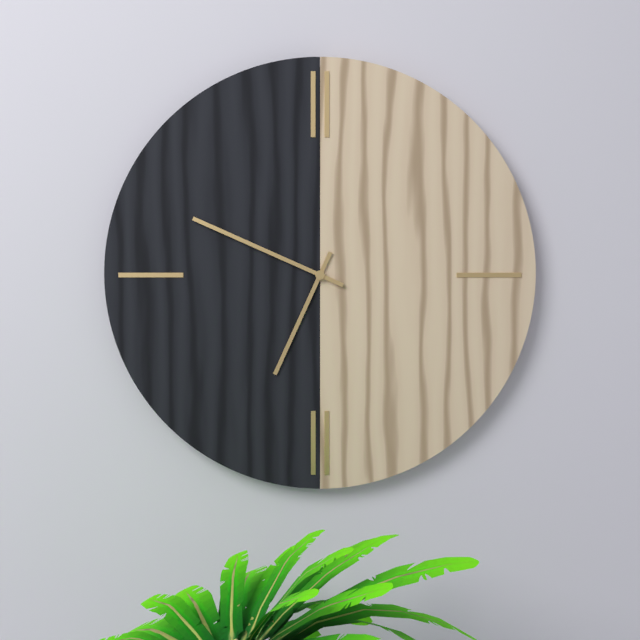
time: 6:49
